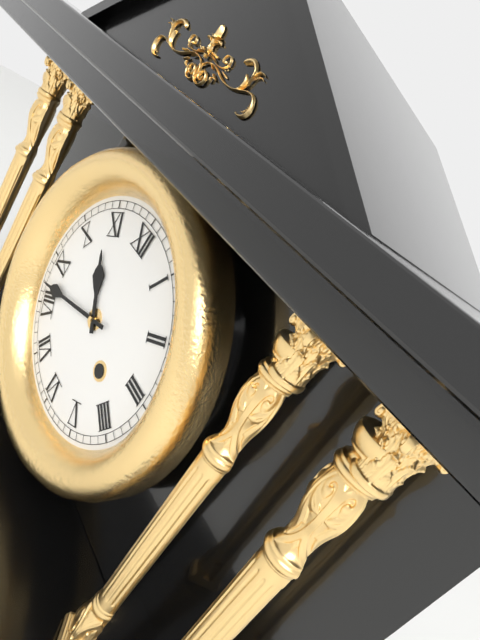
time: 10:42
